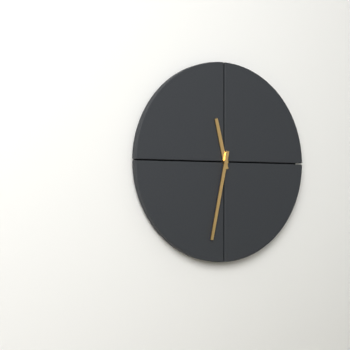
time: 11:32
